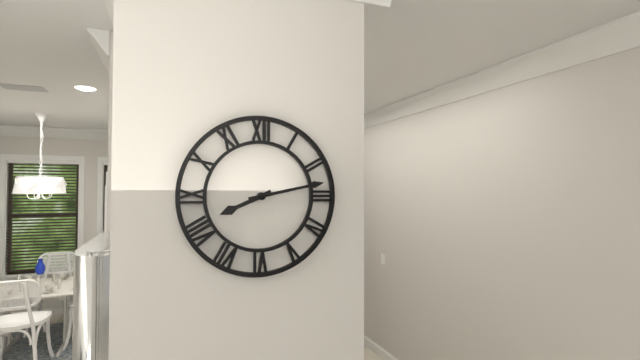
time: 8:13
